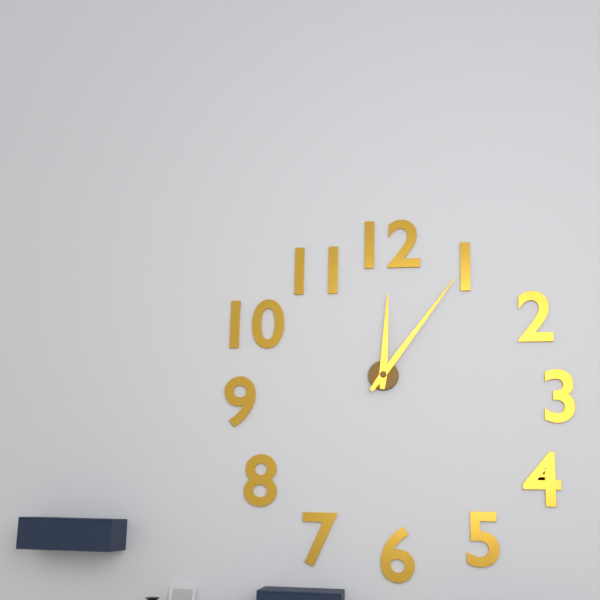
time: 12:06
